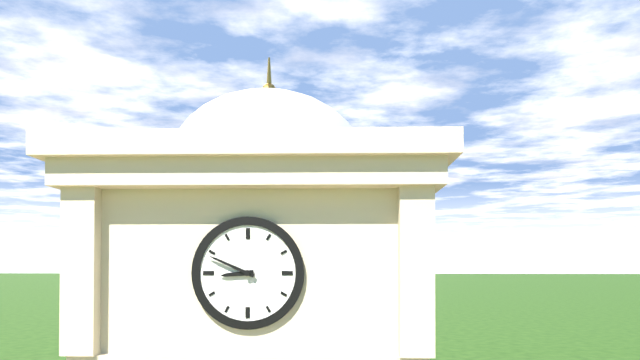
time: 8:49
